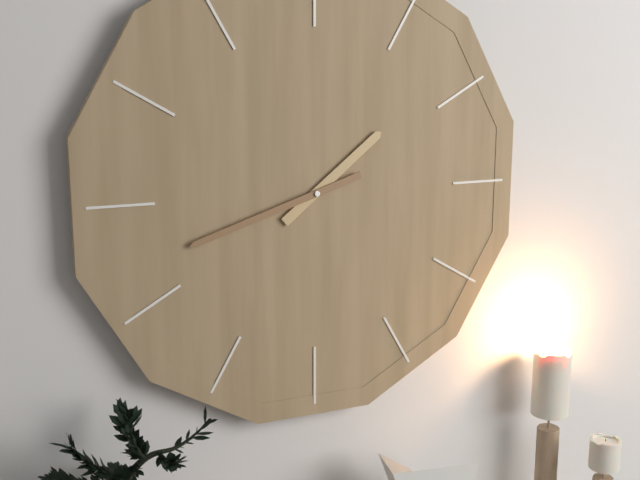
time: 1:42
